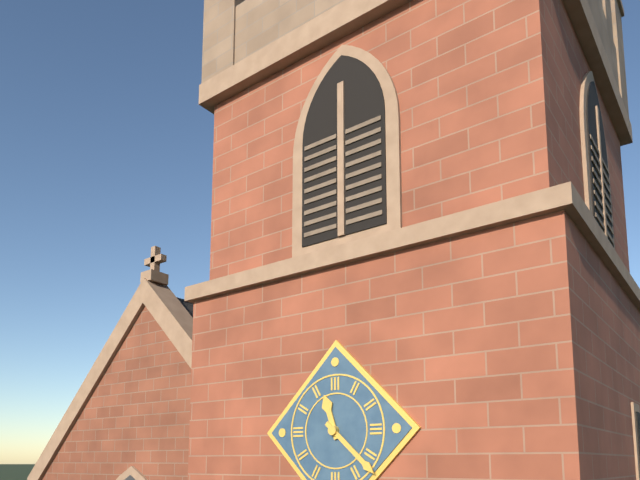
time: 11:22
